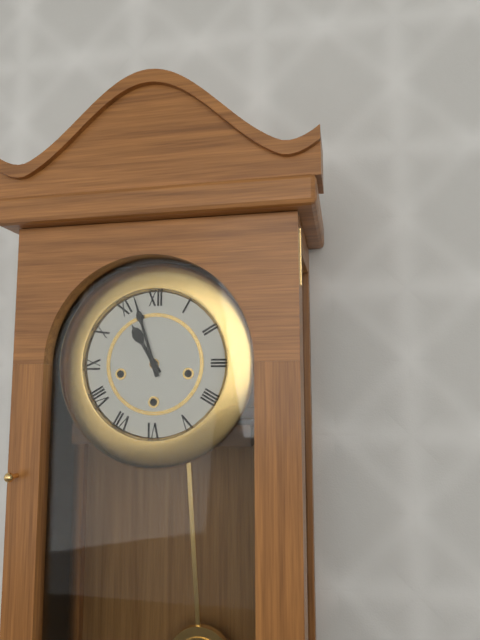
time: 10:57
